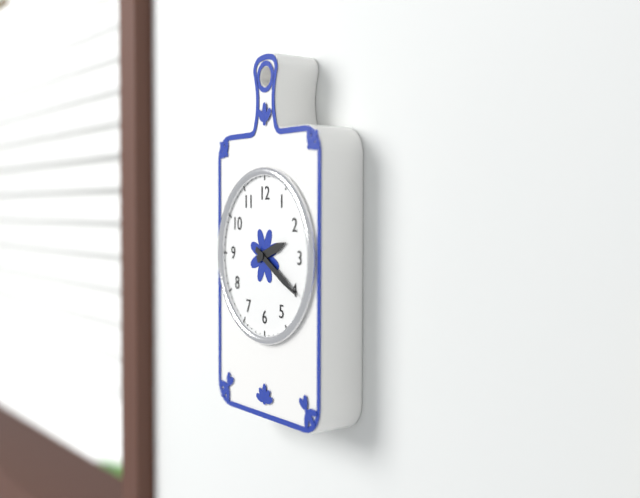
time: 2:20
